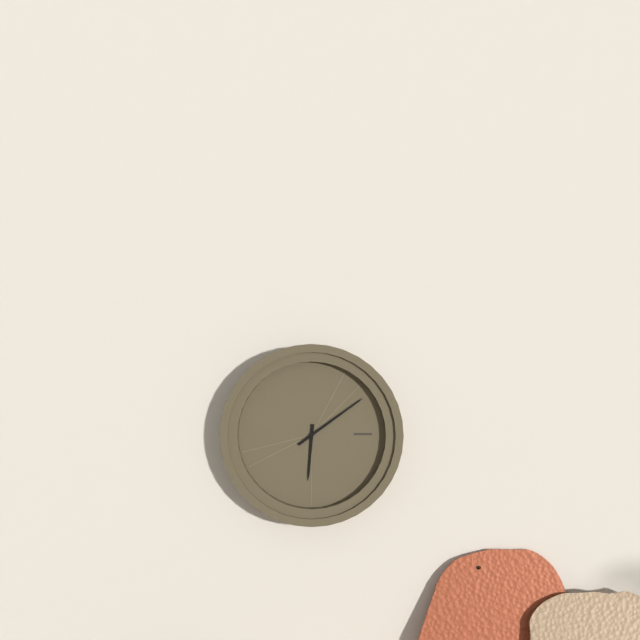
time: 6:09
